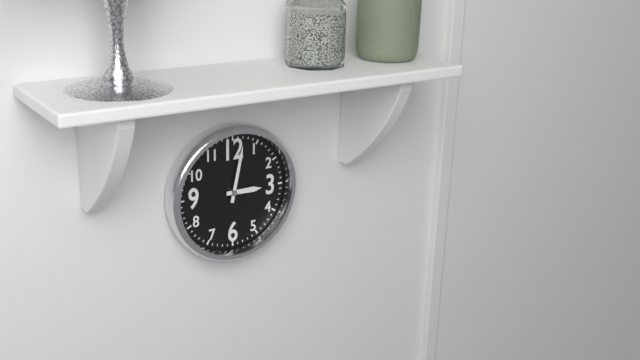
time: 3:02
